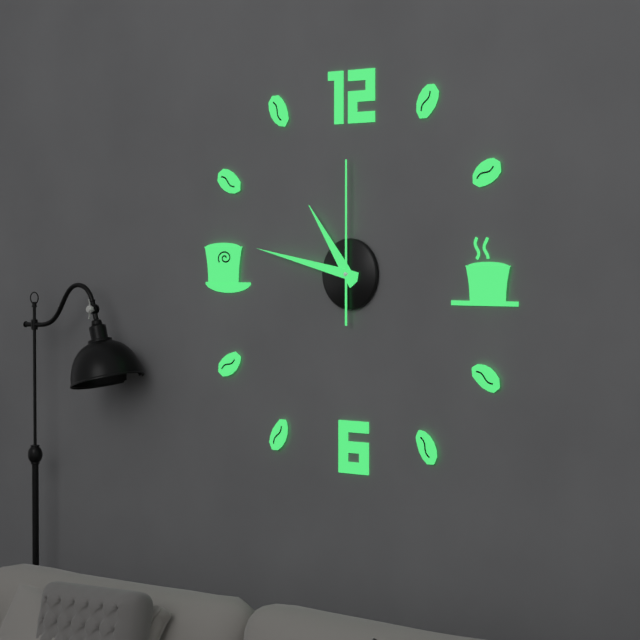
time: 10:47:00
